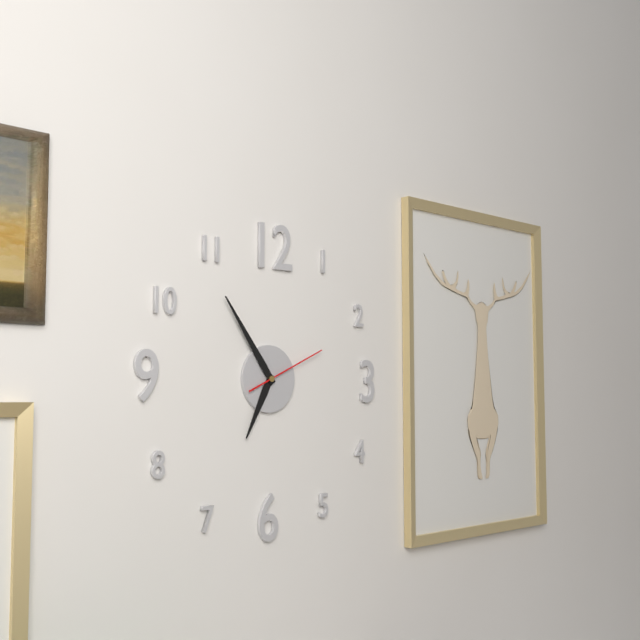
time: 6:54:11
